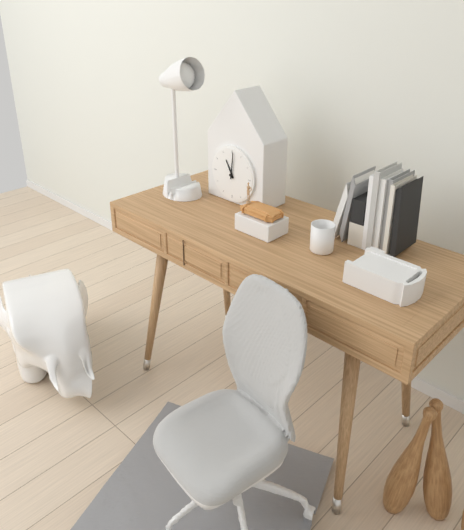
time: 11:01
